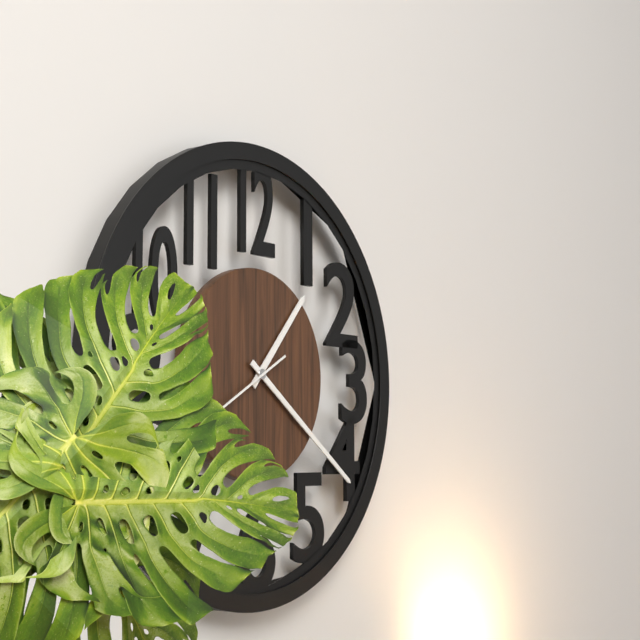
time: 1:21
